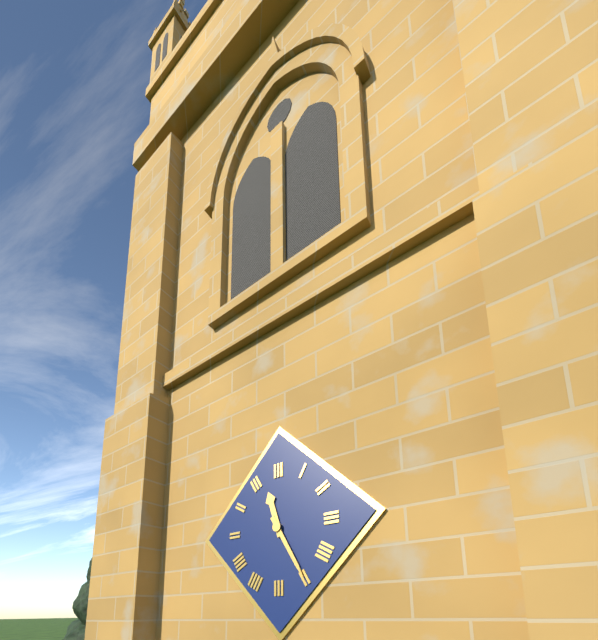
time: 11:25
